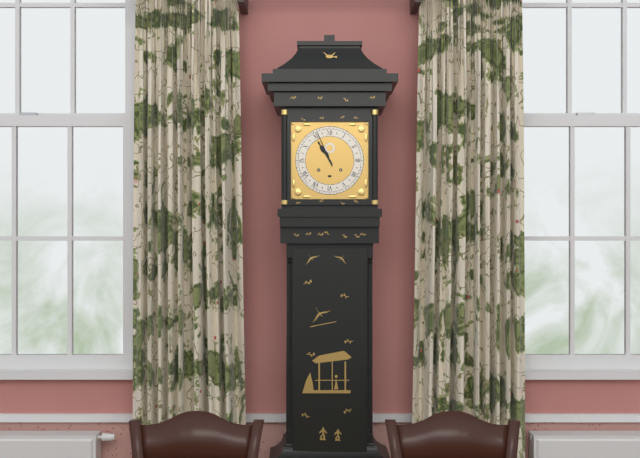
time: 10:56
